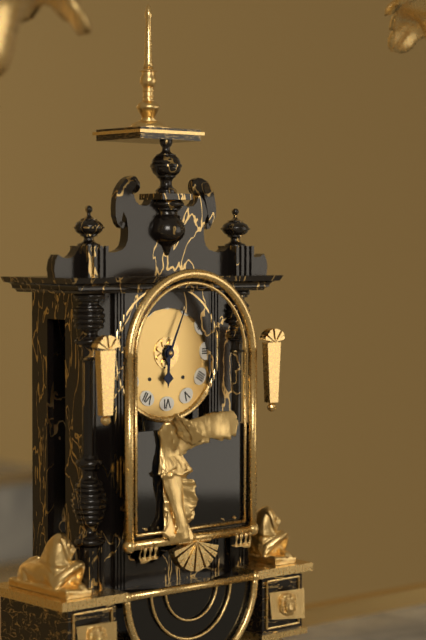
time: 6:04
